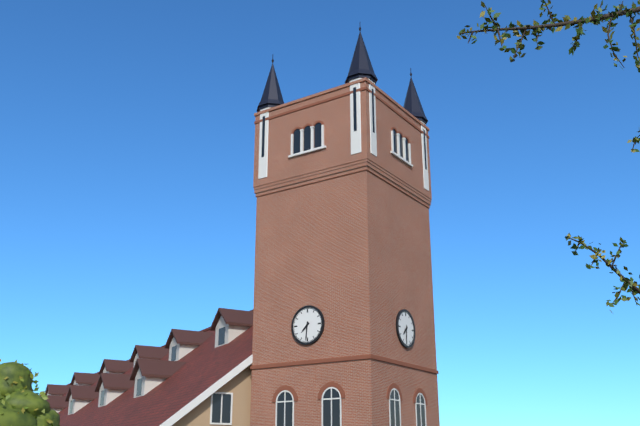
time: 7:31
